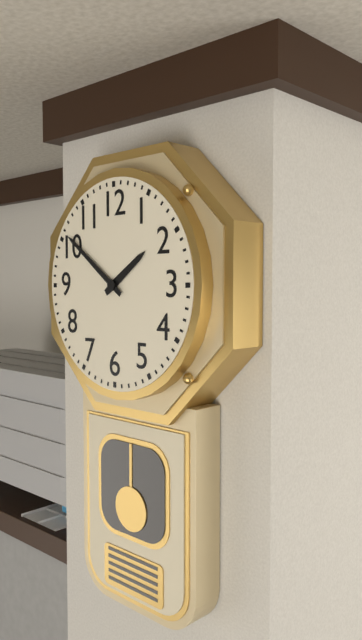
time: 1:51
